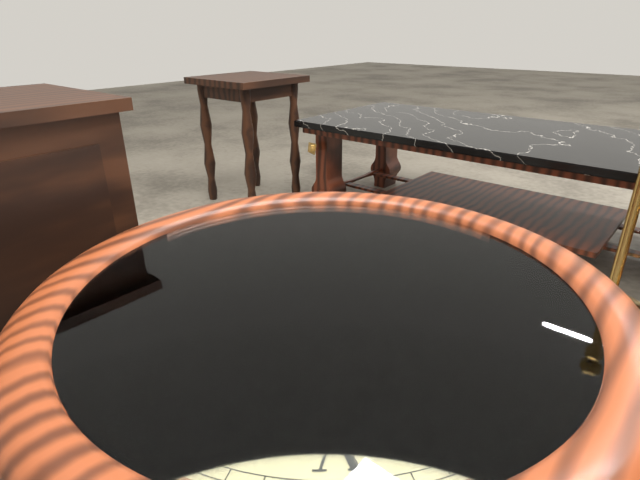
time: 6:12:18
